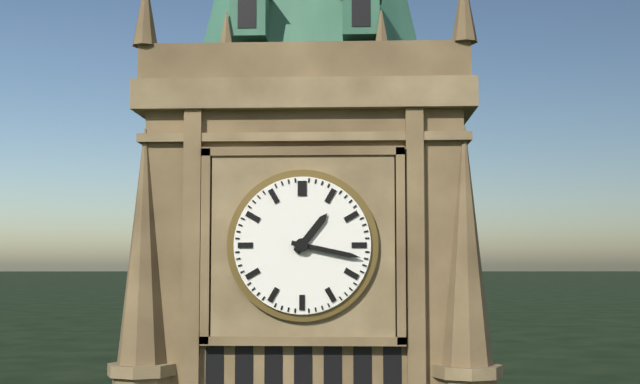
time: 1:17
